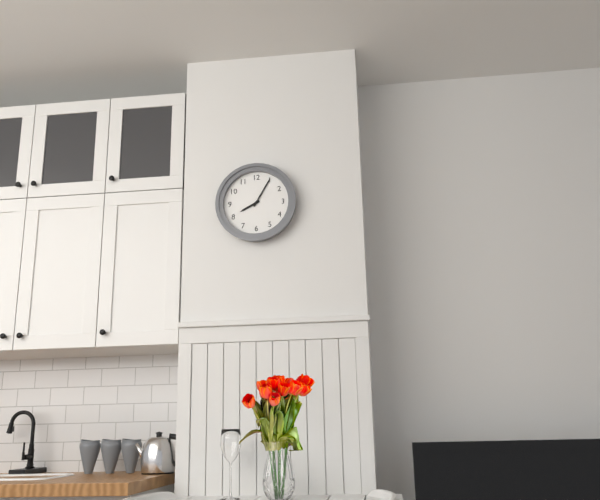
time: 8:05
